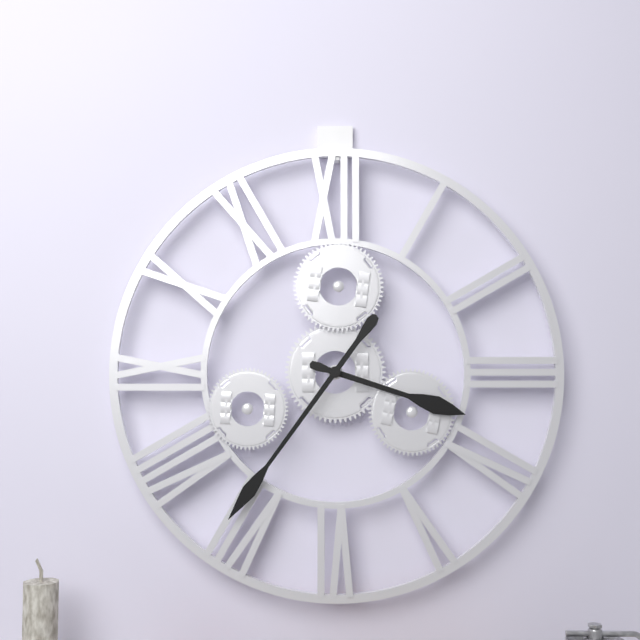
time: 3:36
